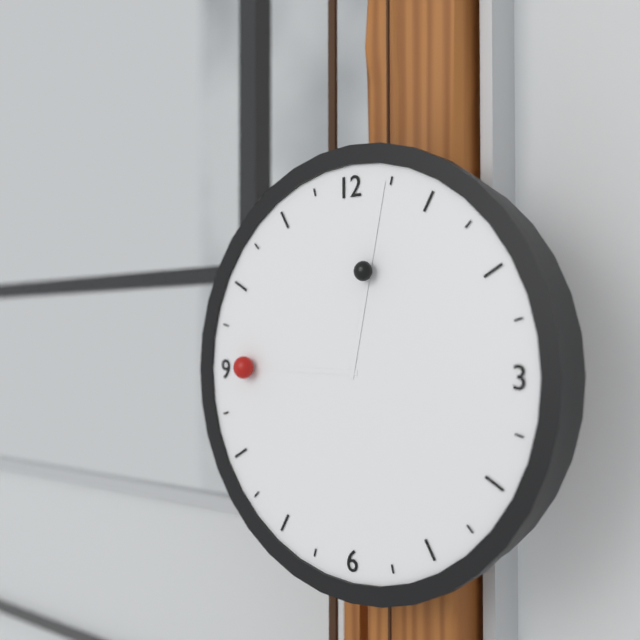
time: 9:02
